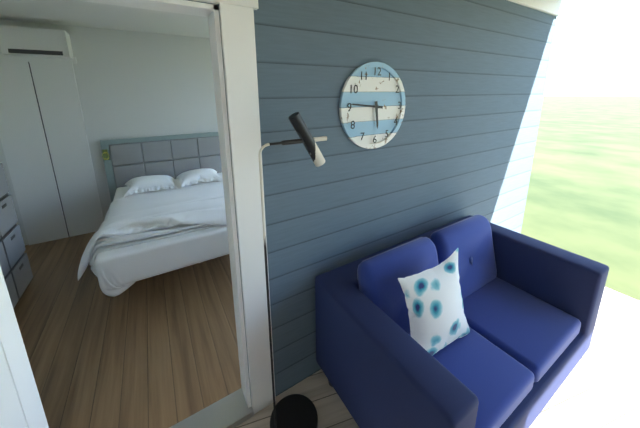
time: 5:46
